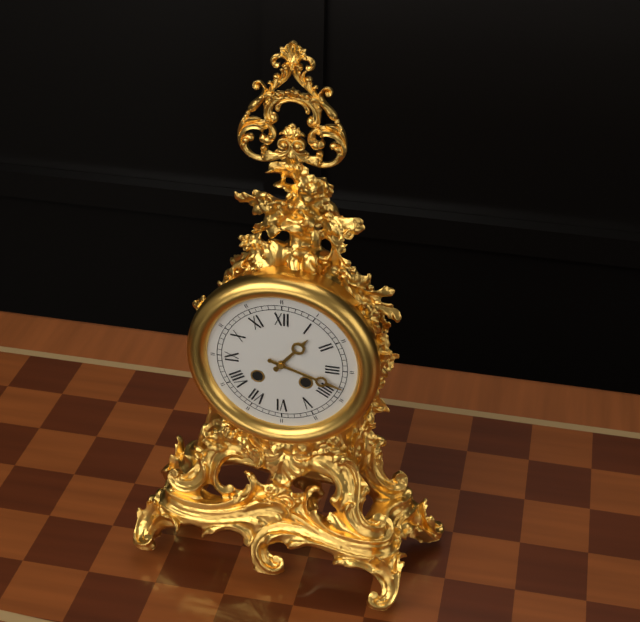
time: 1:18
